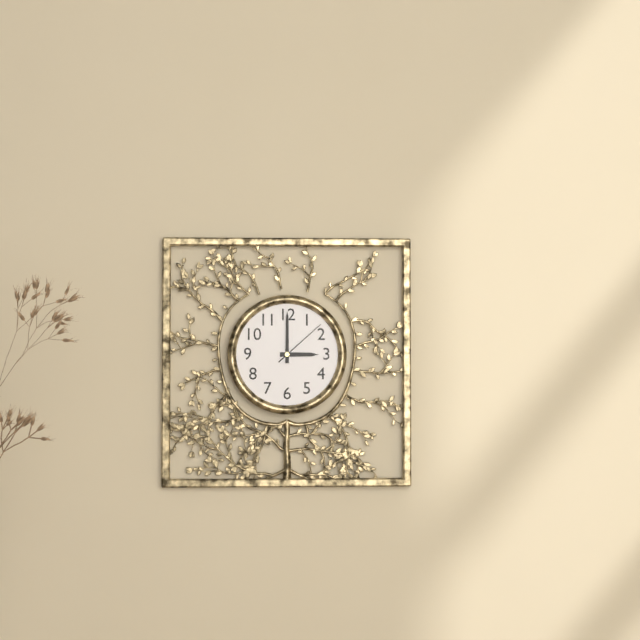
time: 3:00:08
